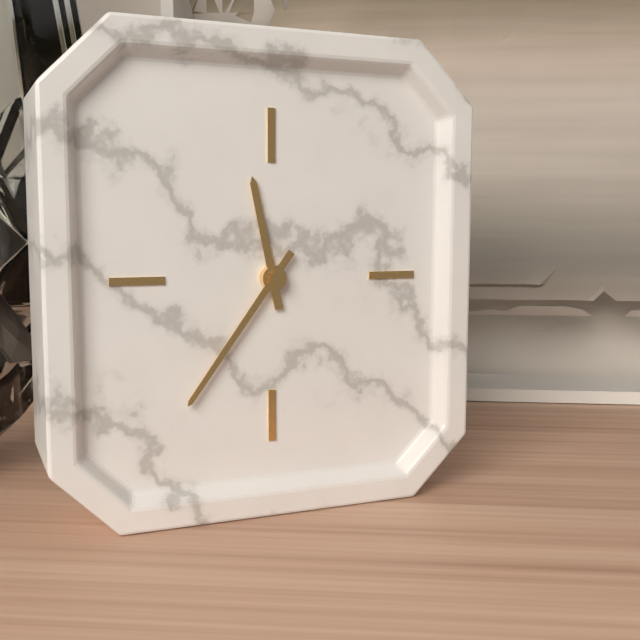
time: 11:36
